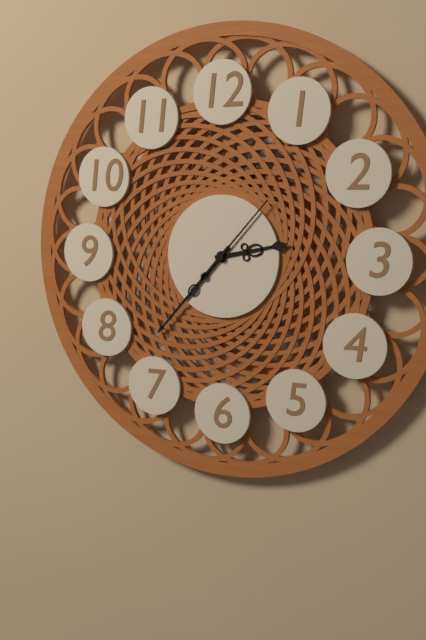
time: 2:37:07
